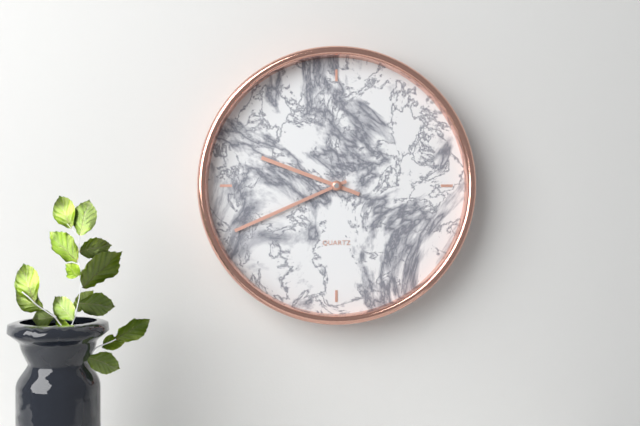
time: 9:41
